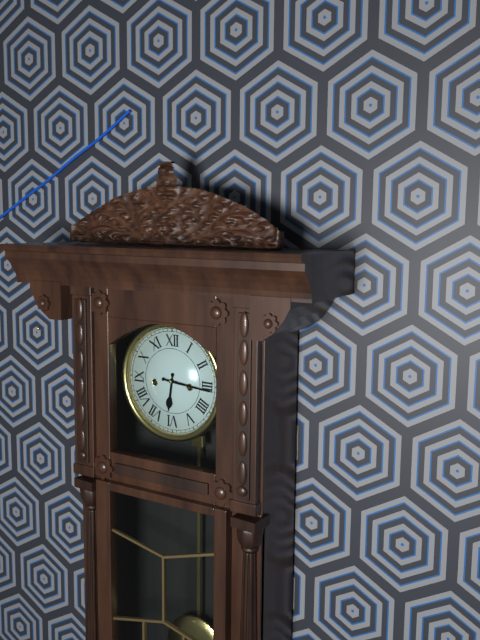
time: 6:16
